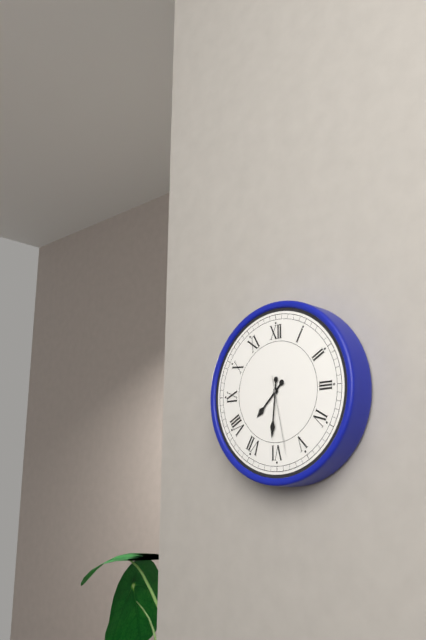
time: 7:31:28
